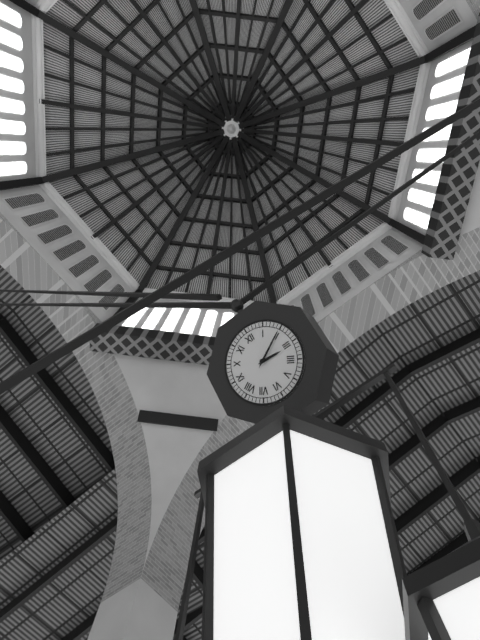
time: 3:10
